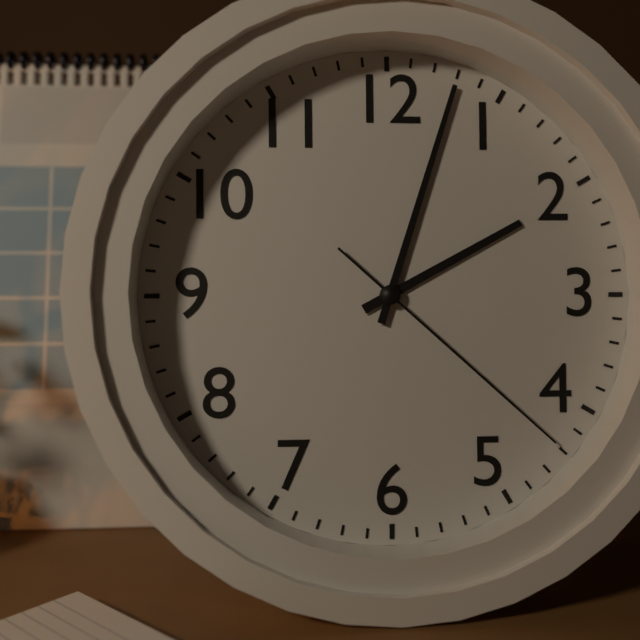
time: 2:03:22
